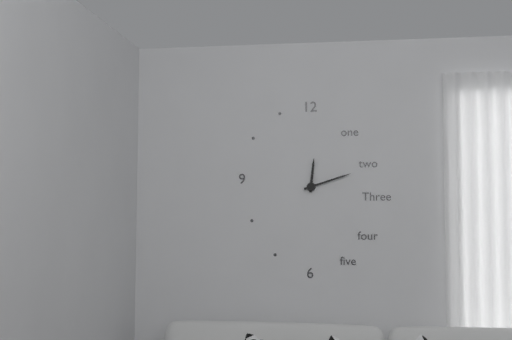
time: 12:12
